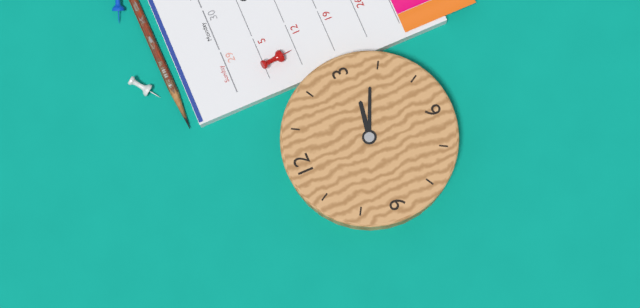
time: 3:19
